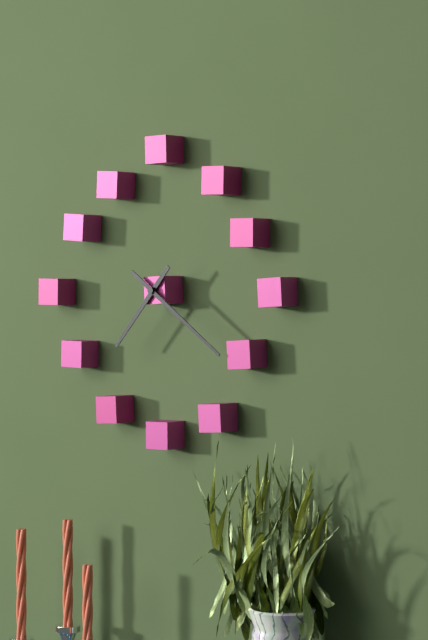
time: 7:21
